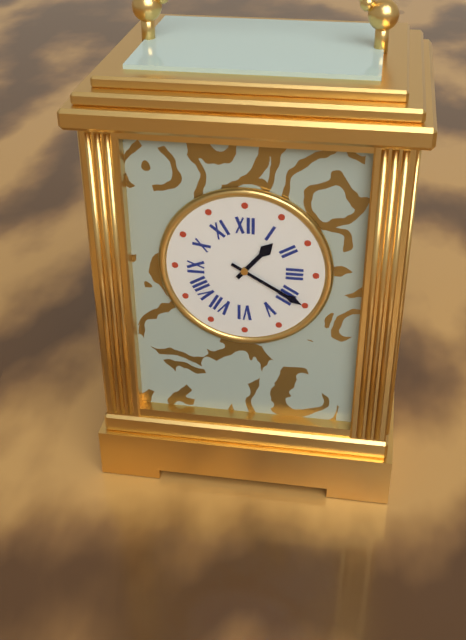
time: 1:20
